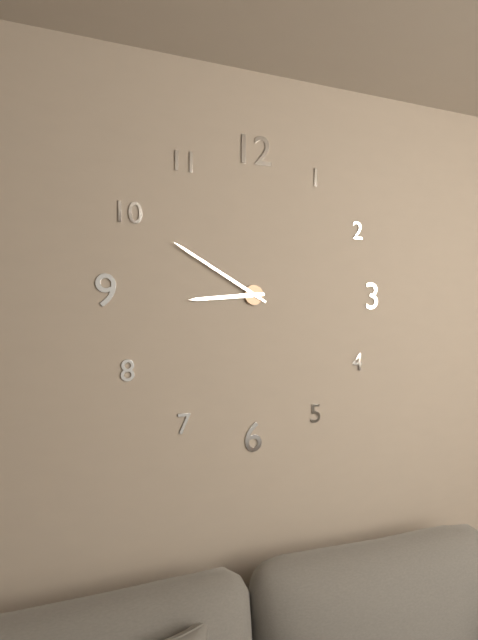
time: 8:50
